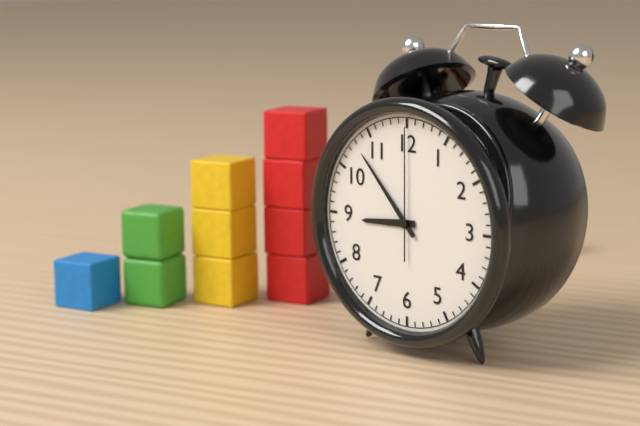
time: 8:53:00
